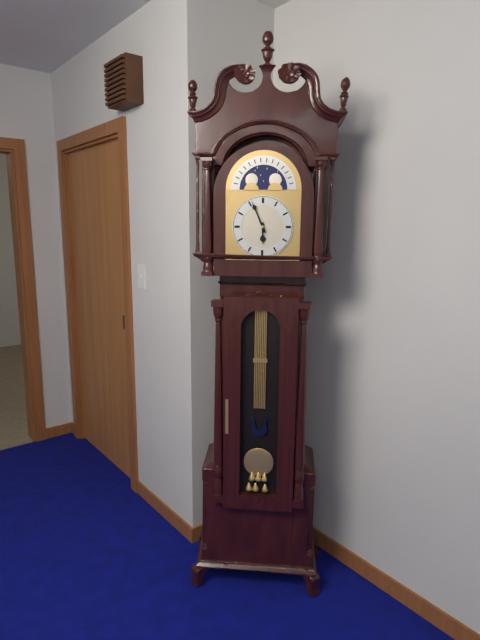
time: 5:56
